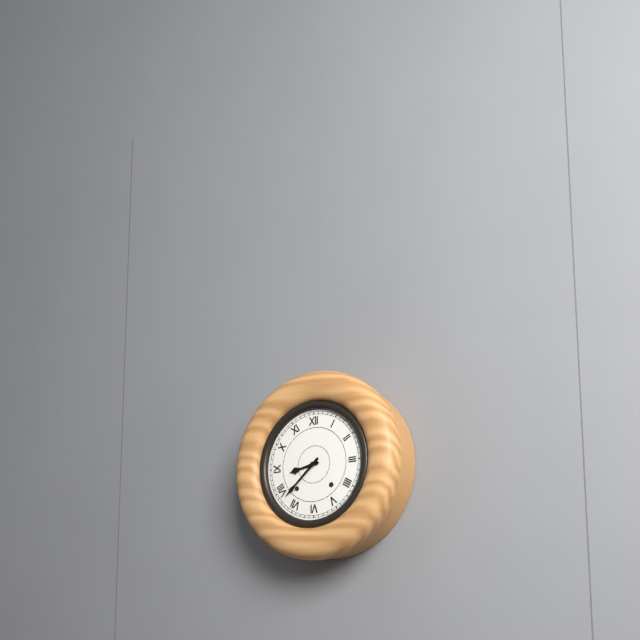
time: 8:38
